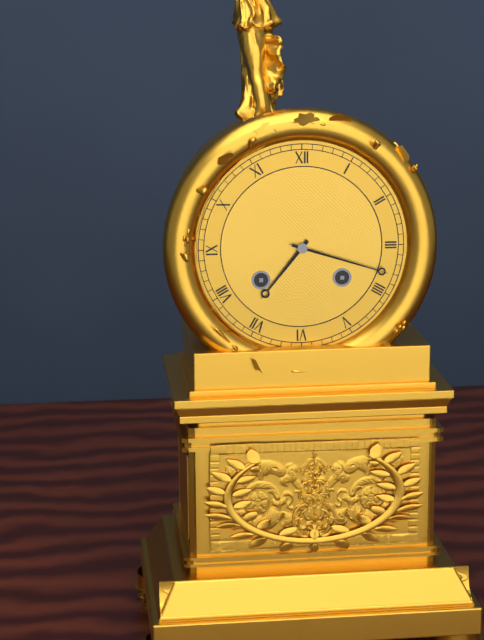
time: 7:18
